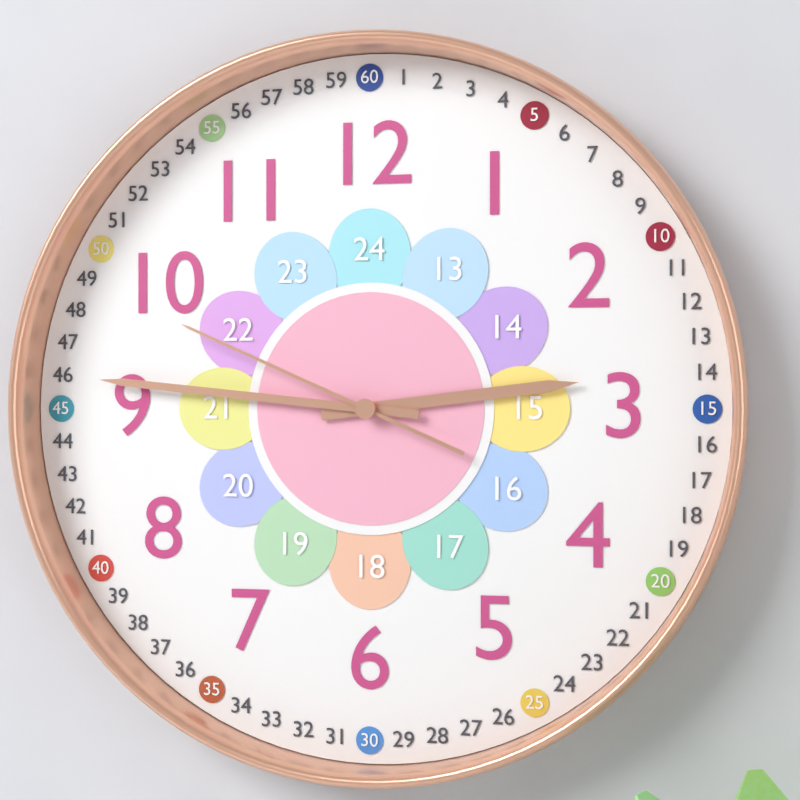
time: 2:46:49
